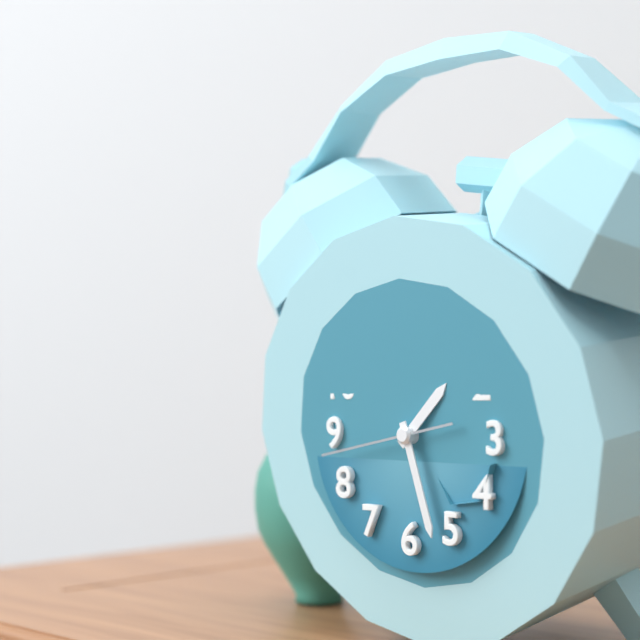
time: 1:27:43
